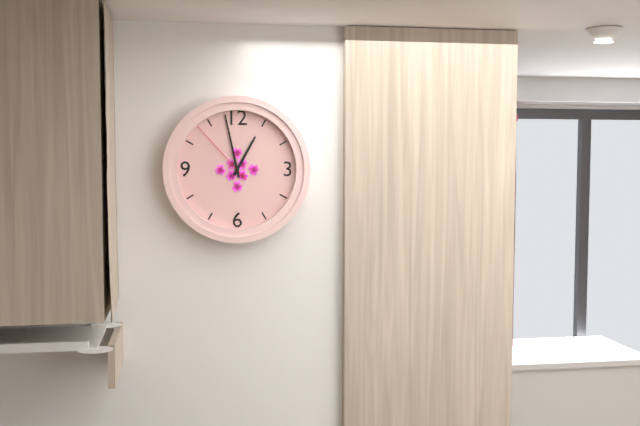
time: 12:58:53
